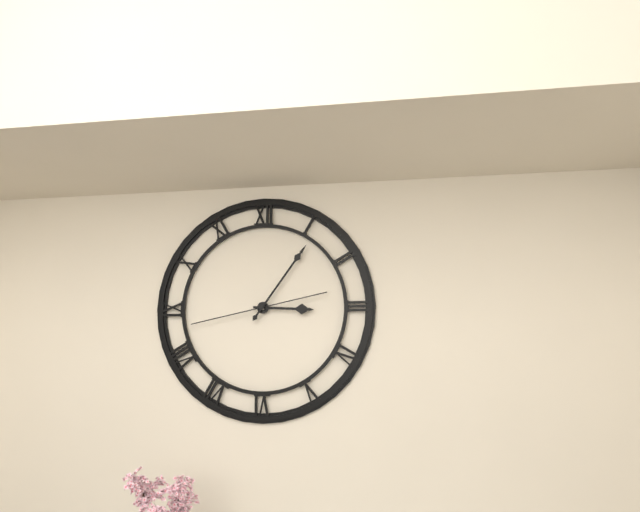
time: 3:06:43
